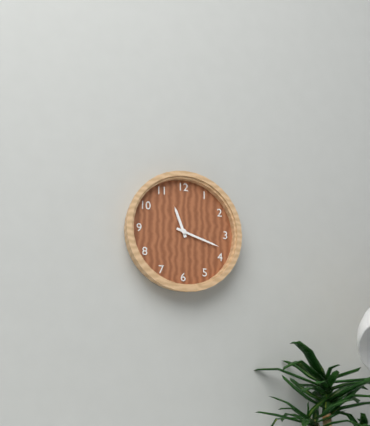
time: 11:18
